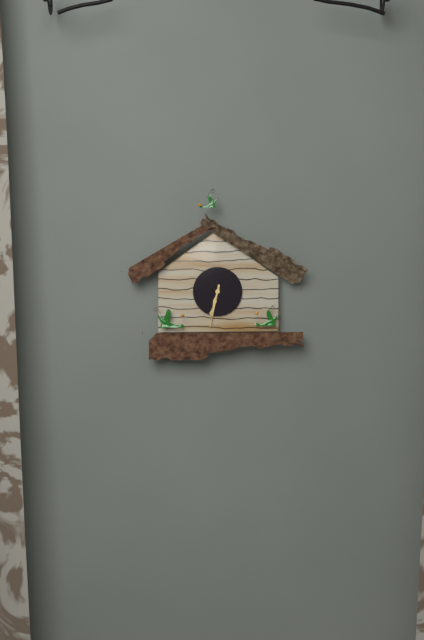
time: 6:32
